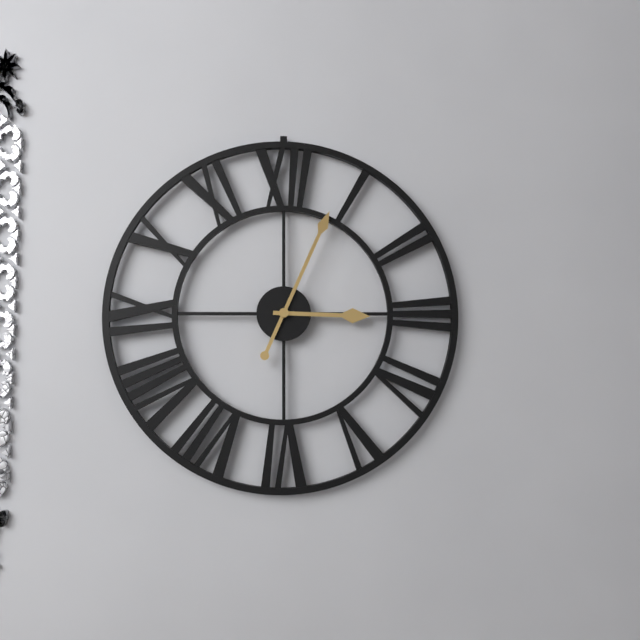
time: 3:04
